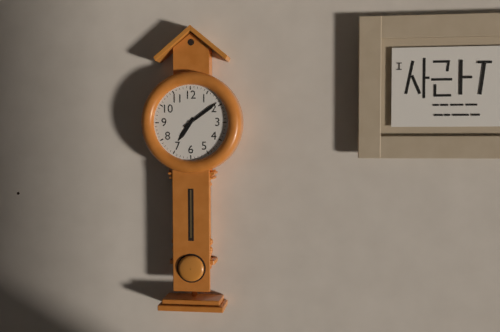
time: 7:09
